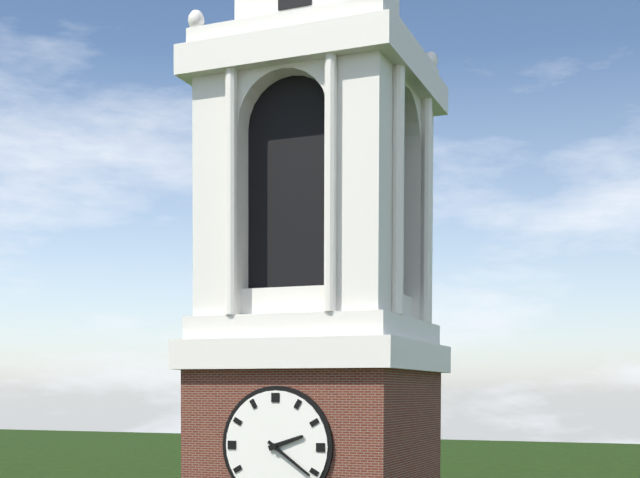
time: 2:21
